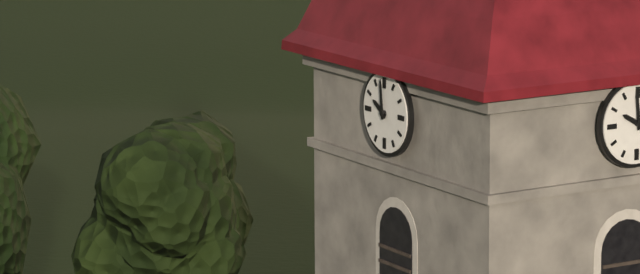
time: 9:59
